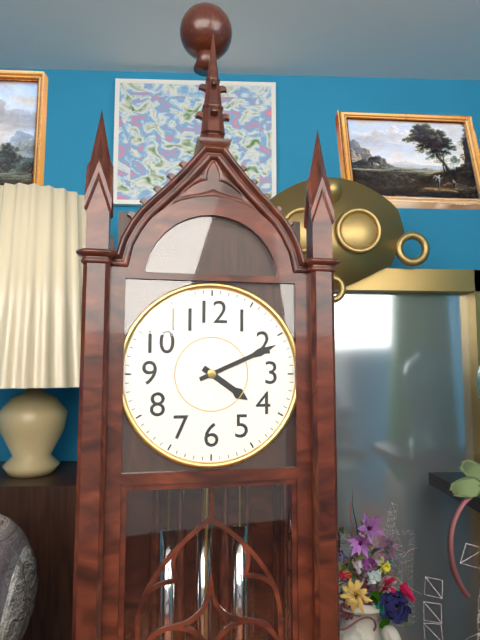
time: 4:11
